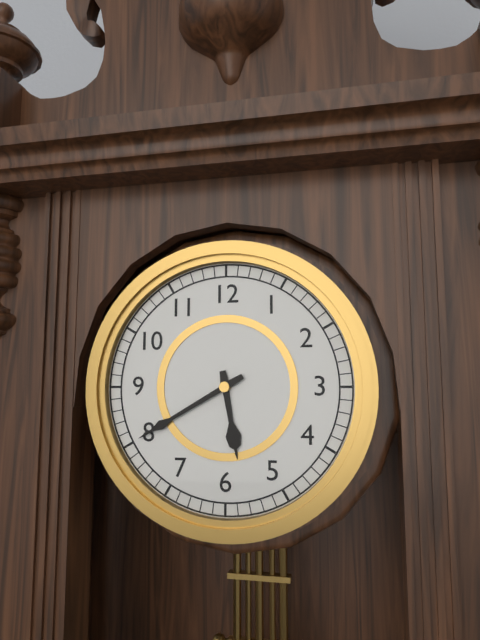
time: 5:40
